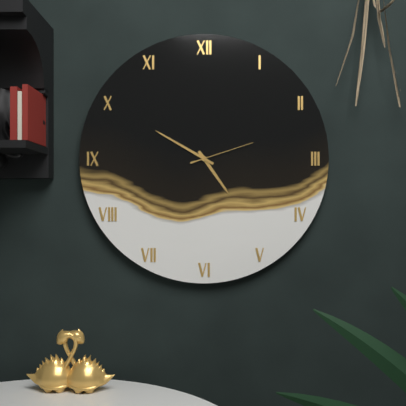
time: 4:50:12
